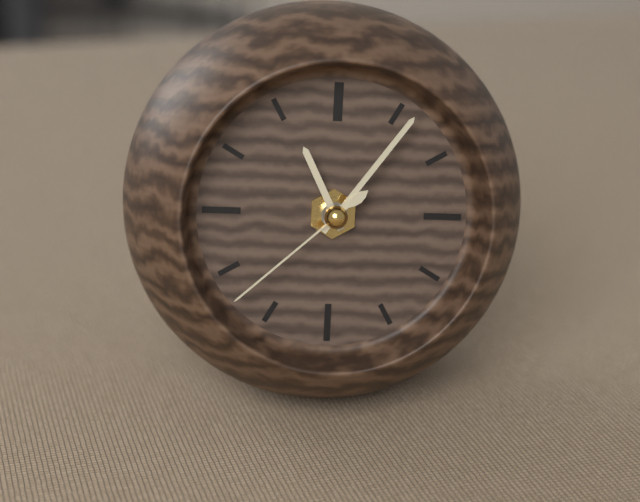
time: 11:06:38
